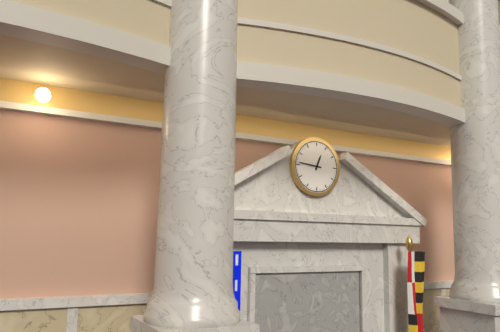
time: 12:46
